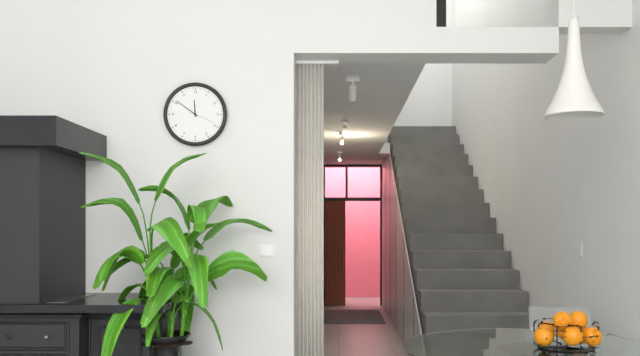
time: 11:51
